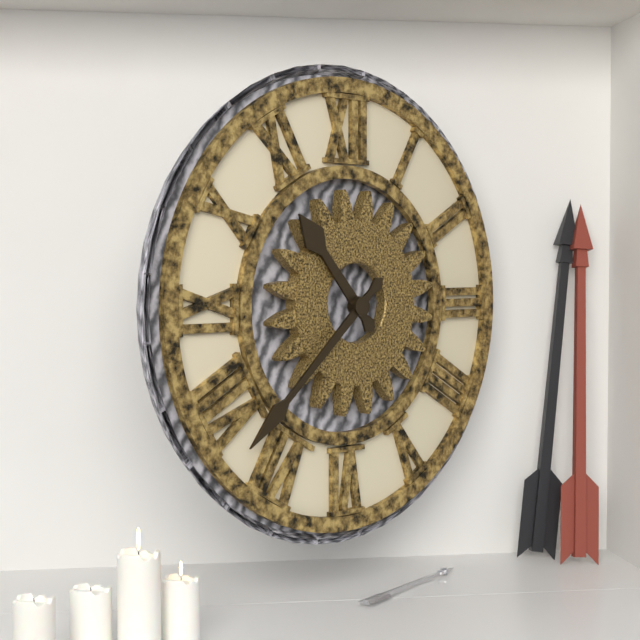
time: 10:38
